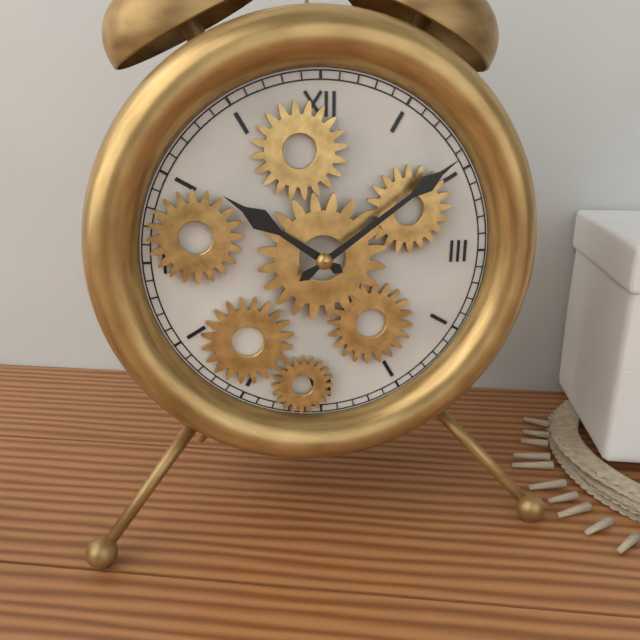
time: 10:09
